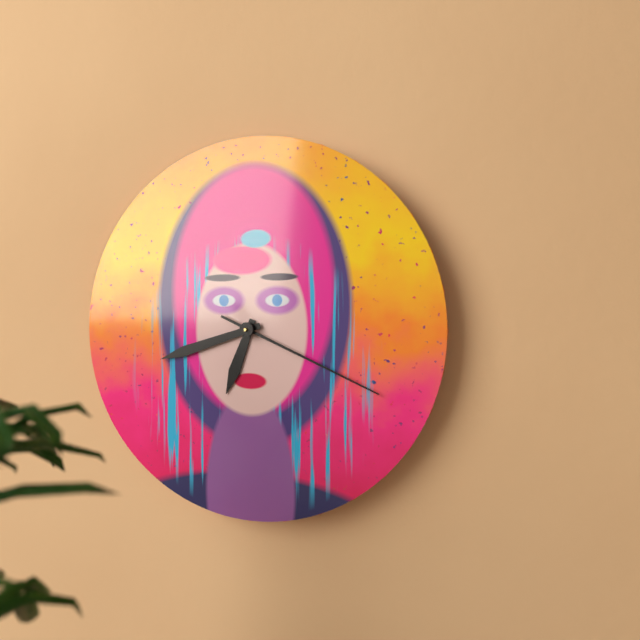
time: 6:42:19
